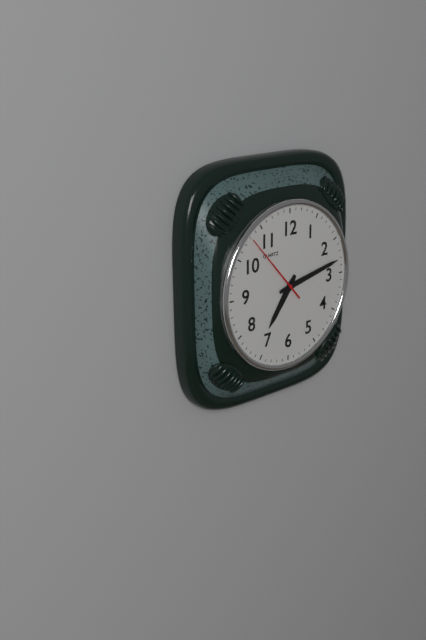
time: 7:13
